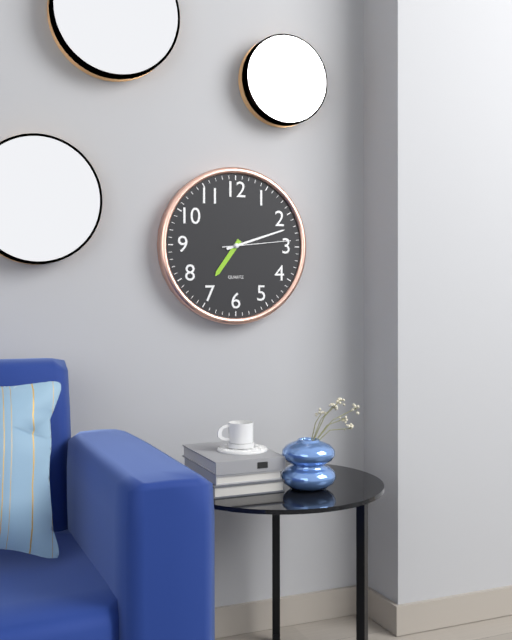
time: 7:12:14
